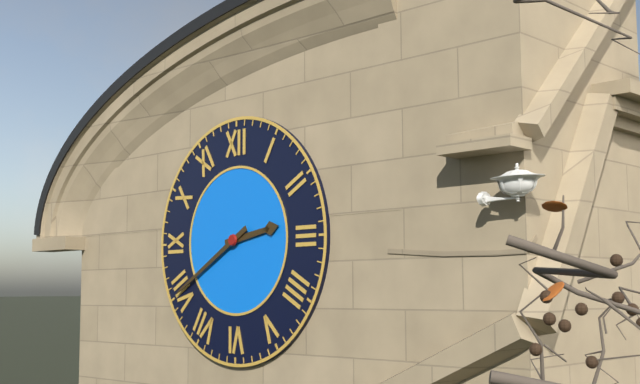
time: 2:40
